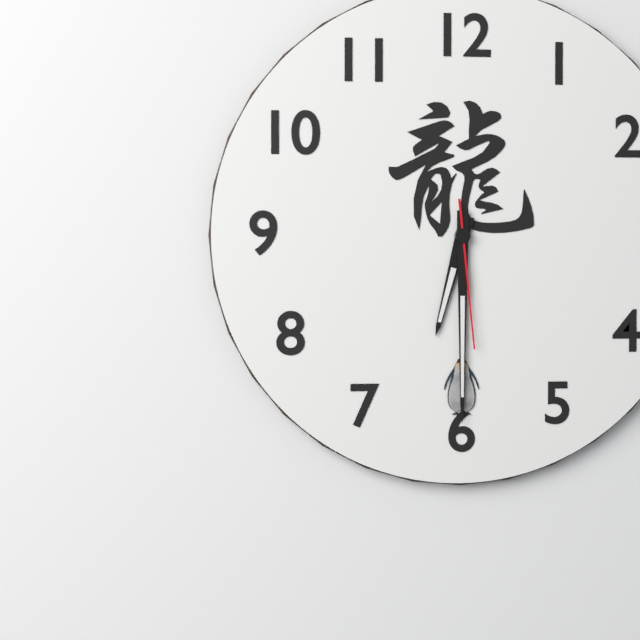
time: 6:30:29
